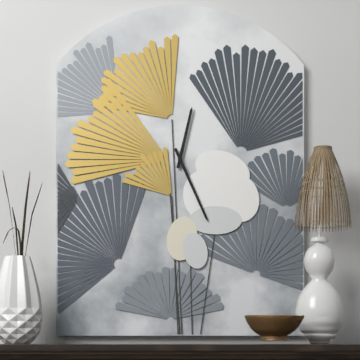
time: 12:26
